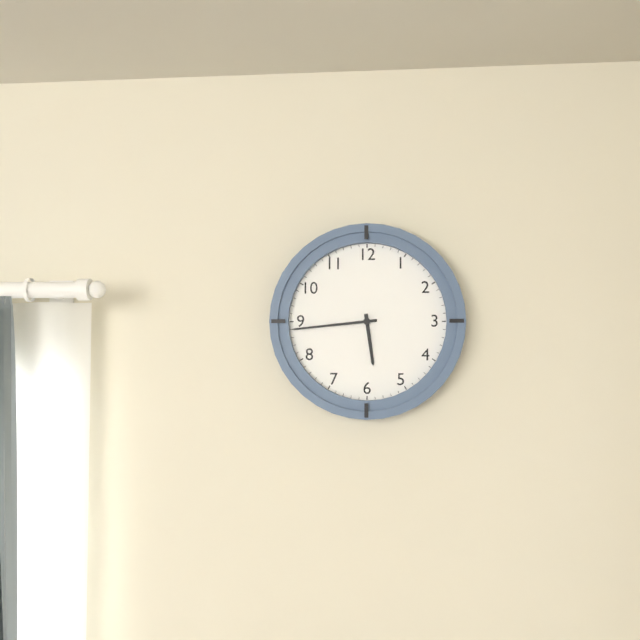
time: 5:44
